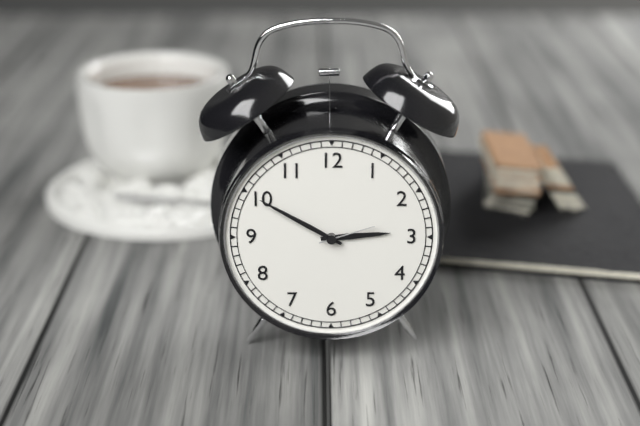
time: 2:50:12
